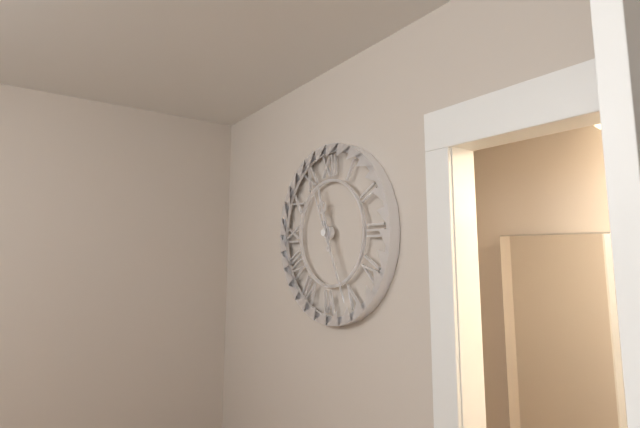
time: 11:26:56
